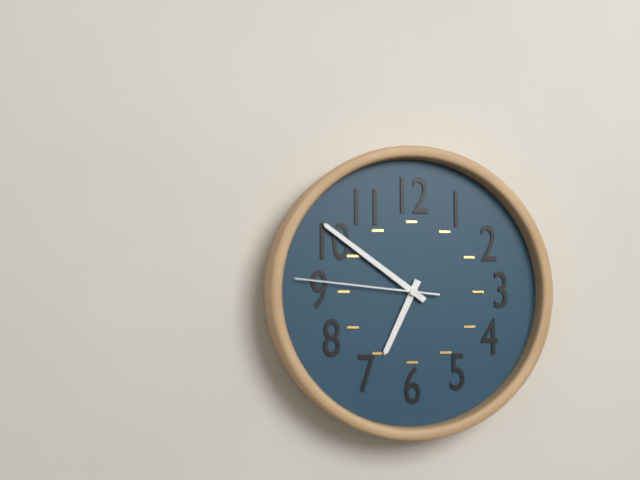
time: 6:51:46
